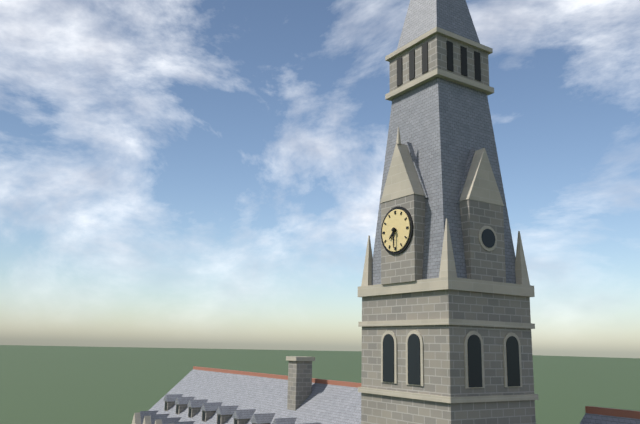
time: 7:30
